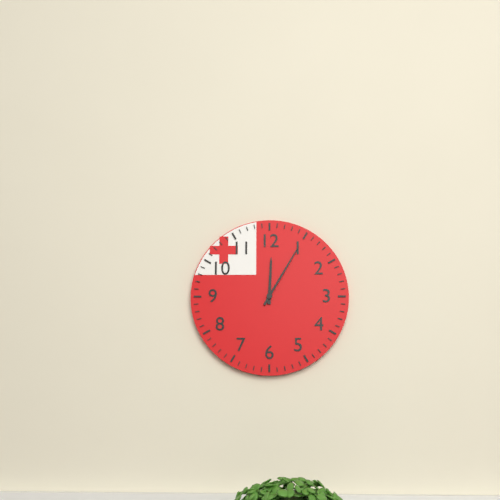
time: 12:05
